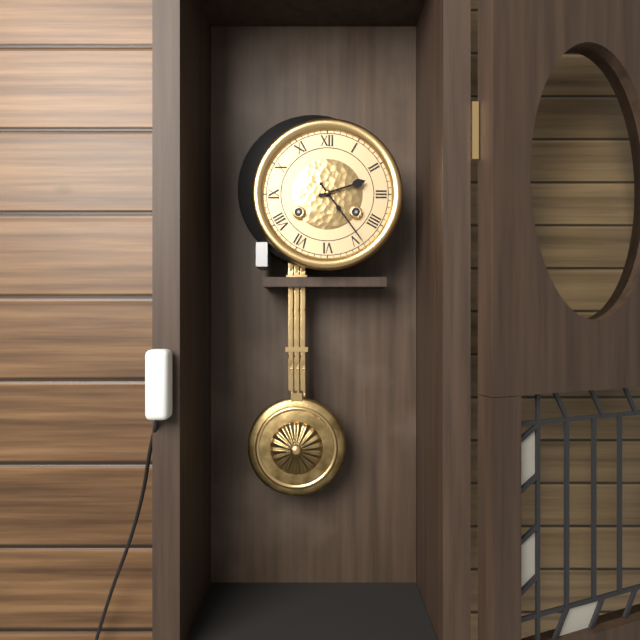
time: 2:24
